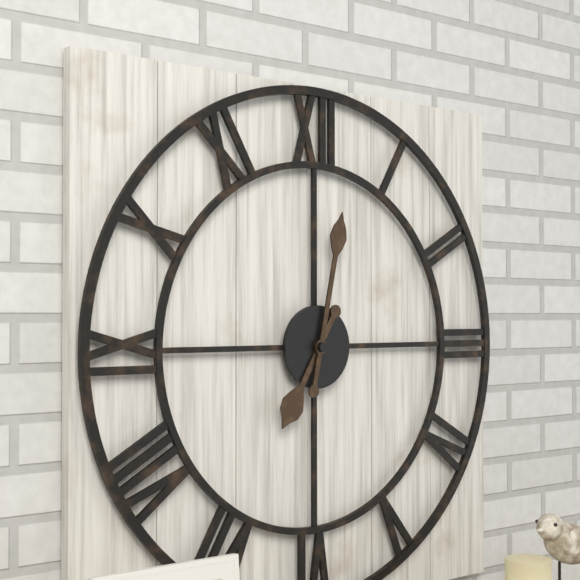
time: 7:02
